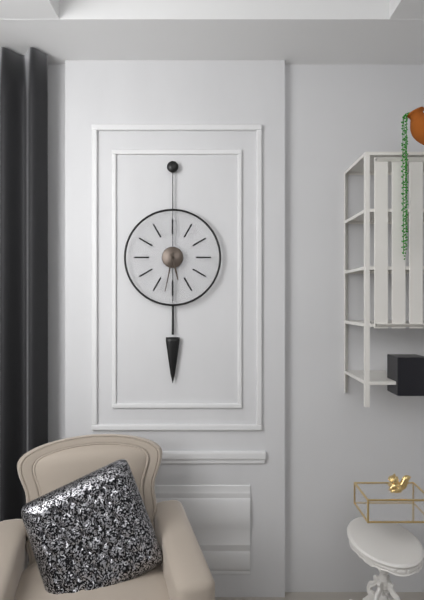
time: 5:32
